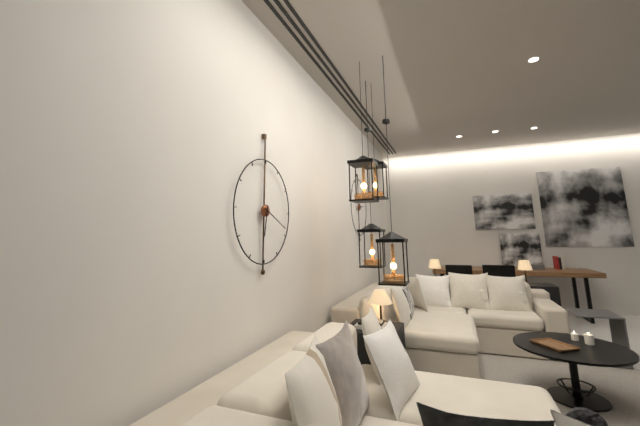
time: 6:19
